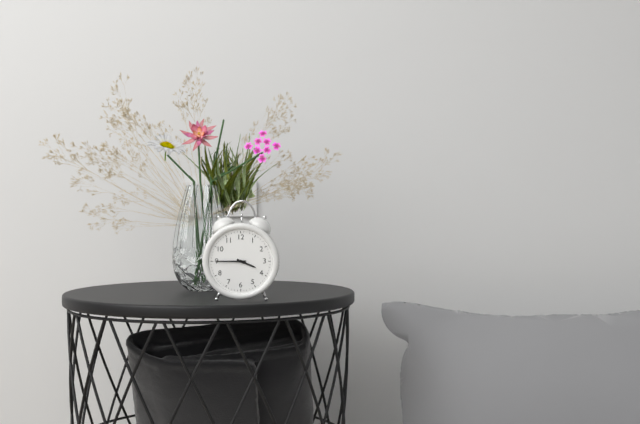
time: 3:45
